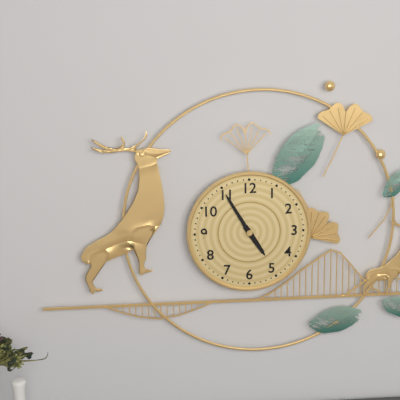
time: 4:55
